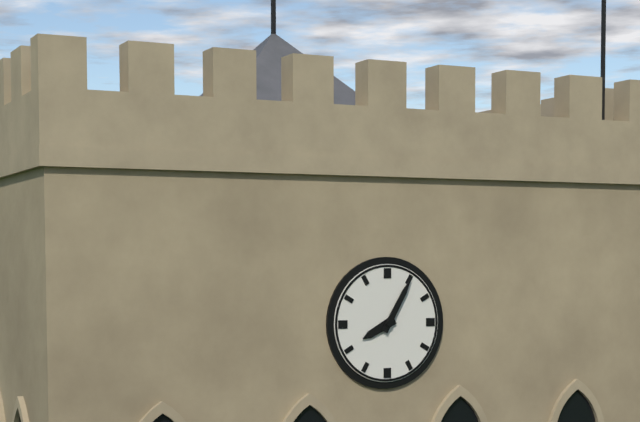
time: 8:05
